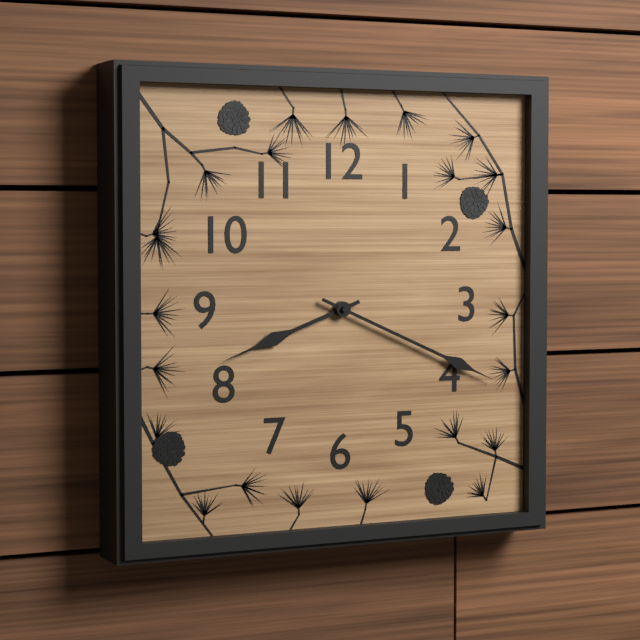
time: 8:19
